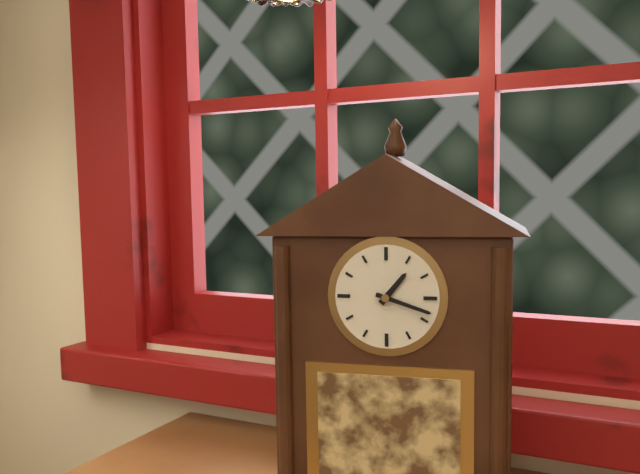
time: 1:18
